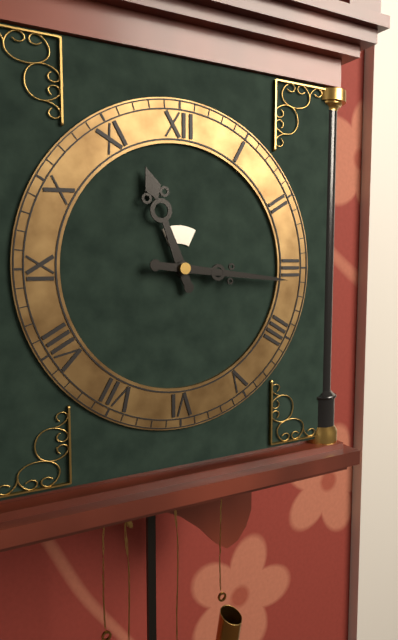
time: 11:16
